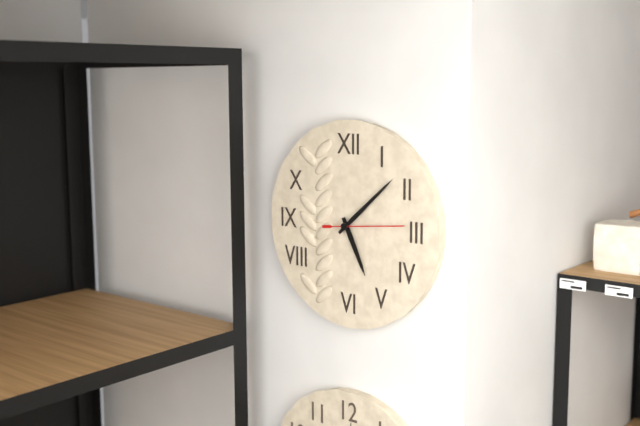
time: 5:08:14
